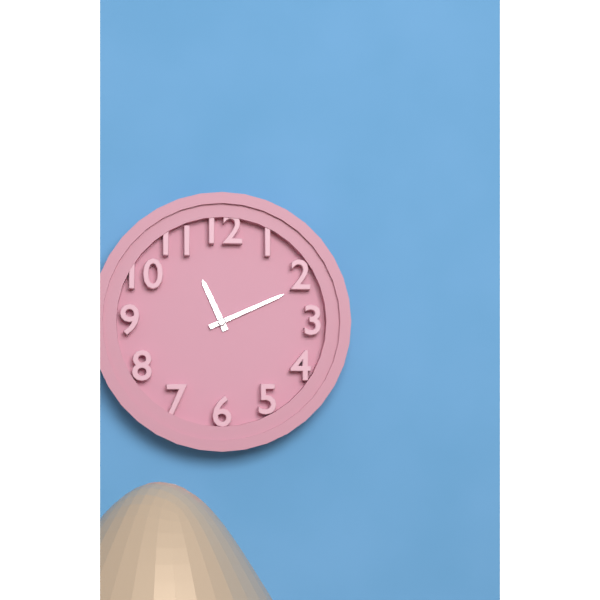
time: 11:11
